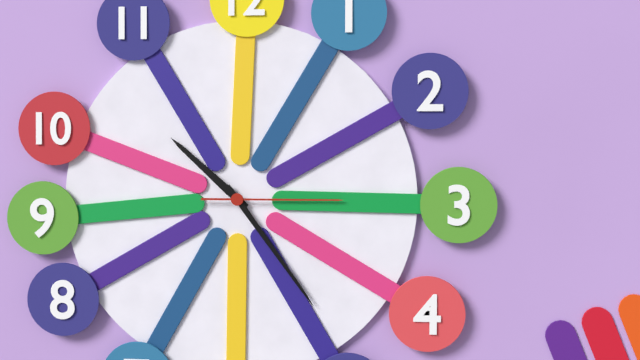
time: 10:24:15
